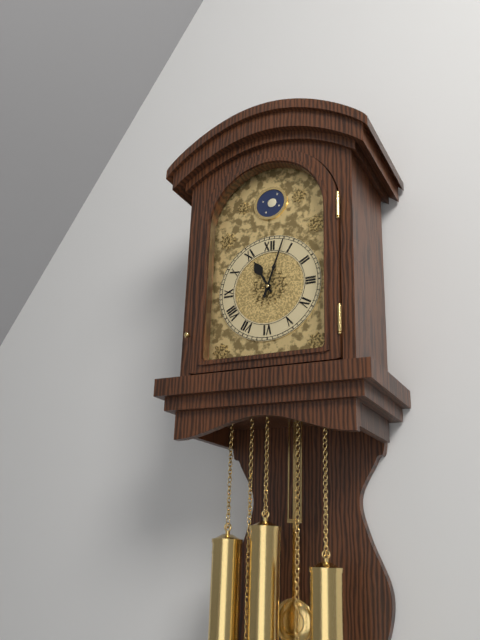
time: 11:03
